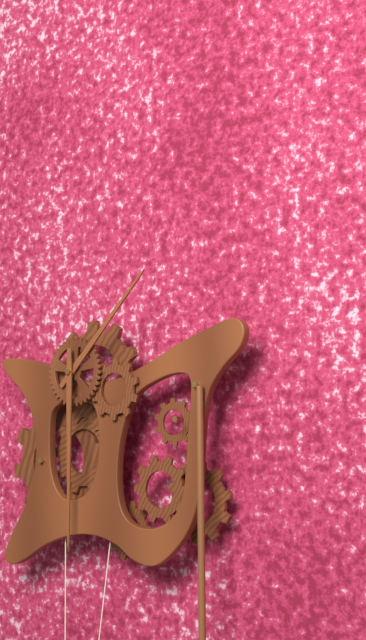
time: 1:30
